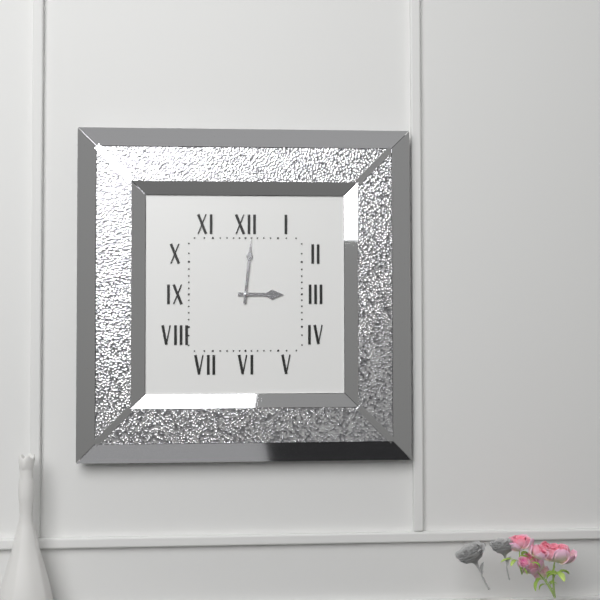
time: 3:01
